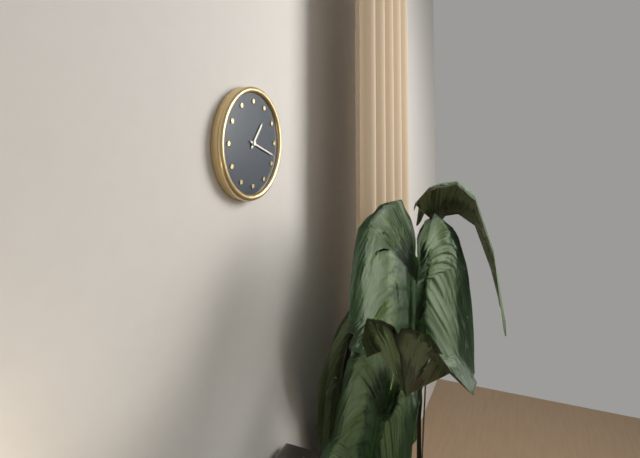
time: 1:18
